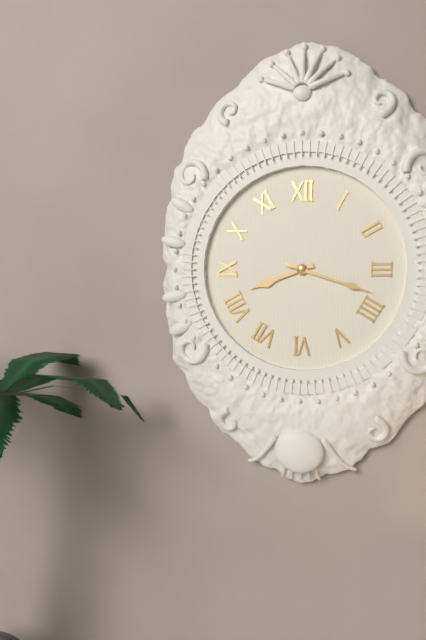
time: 8:18
